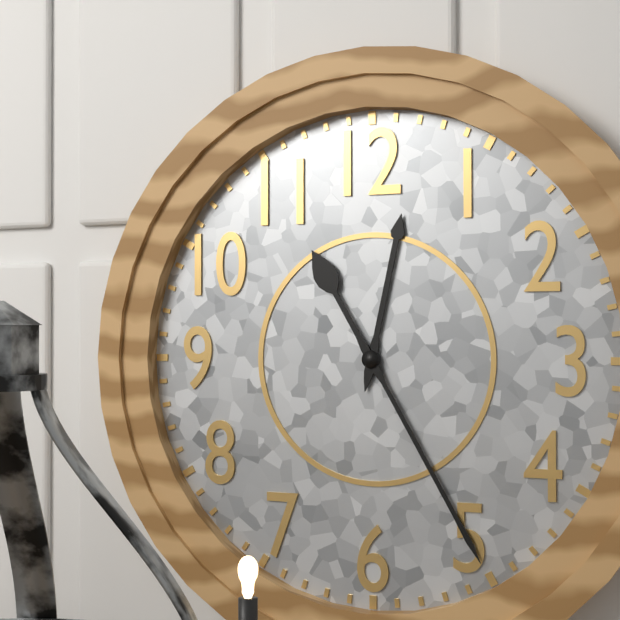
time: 12:25
